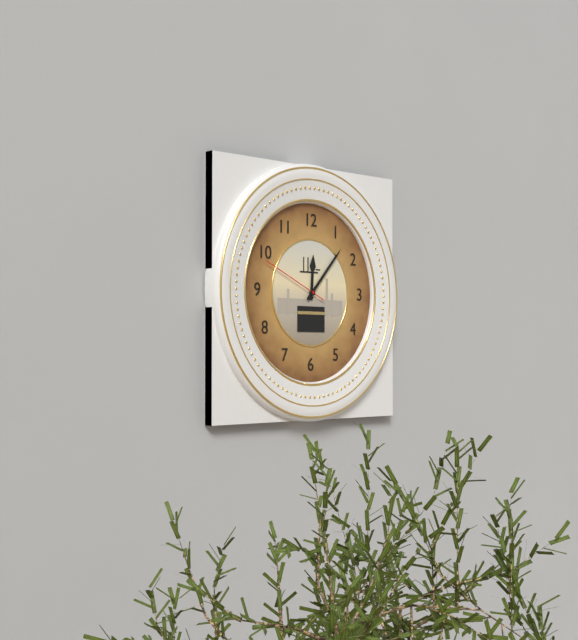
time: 12:07:49
